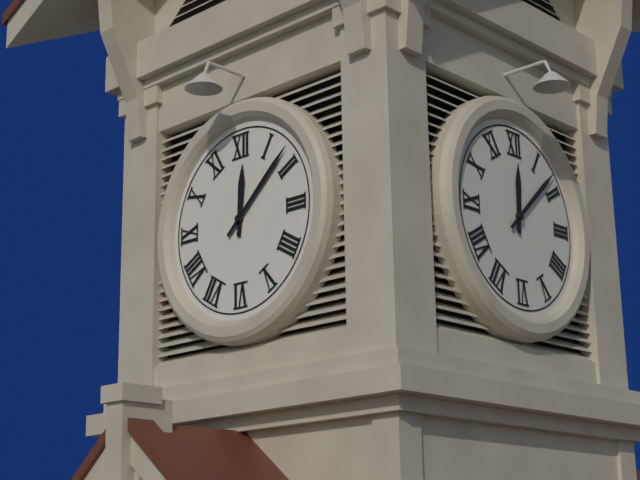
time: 12:08
